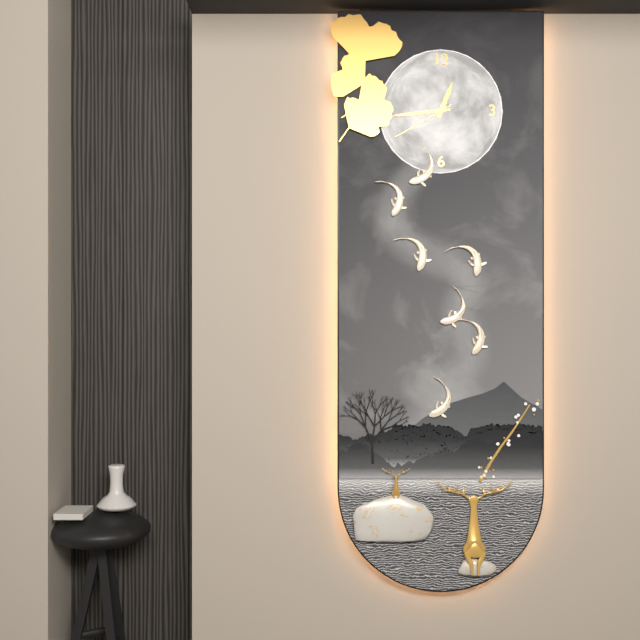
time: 12:44:40
